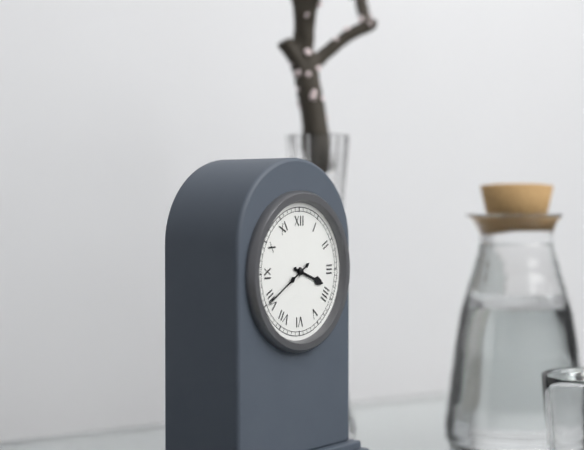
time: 3:40
